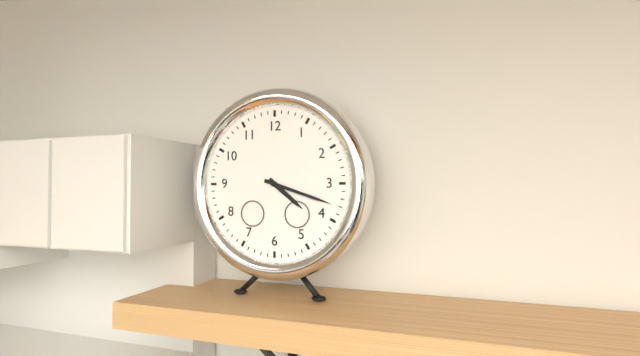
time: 4:18
